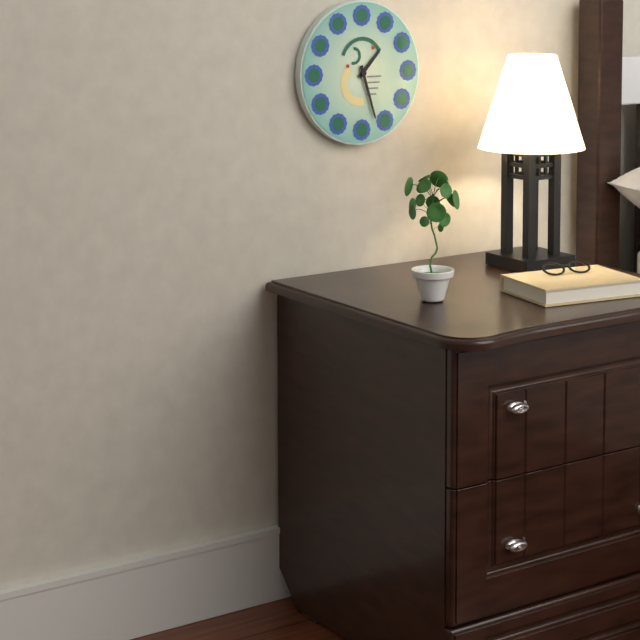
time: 1:27
